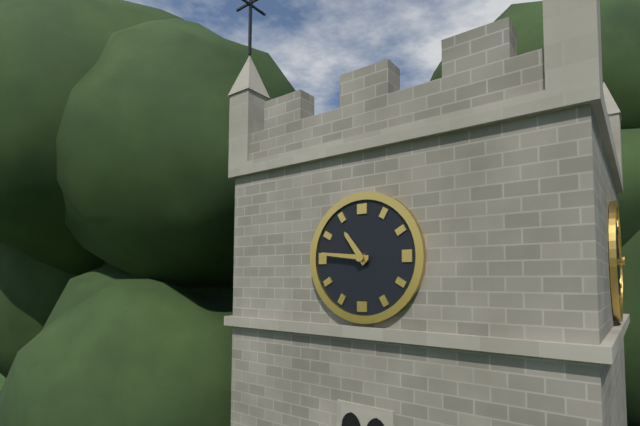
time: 10:46
